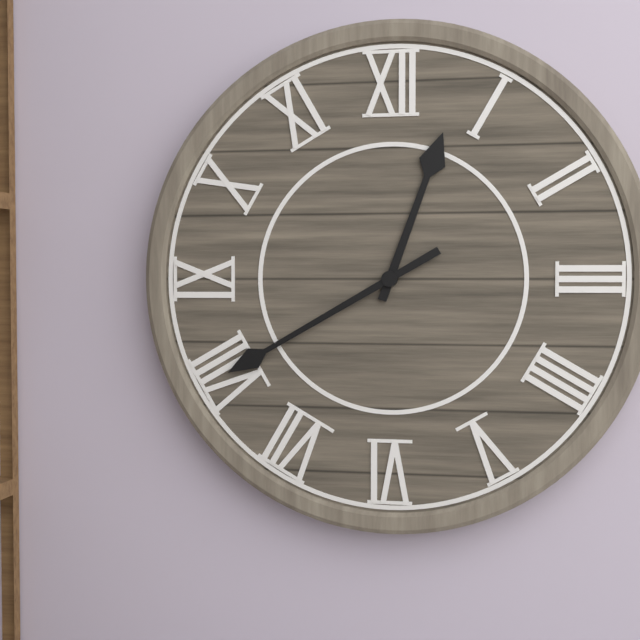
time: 12:40
